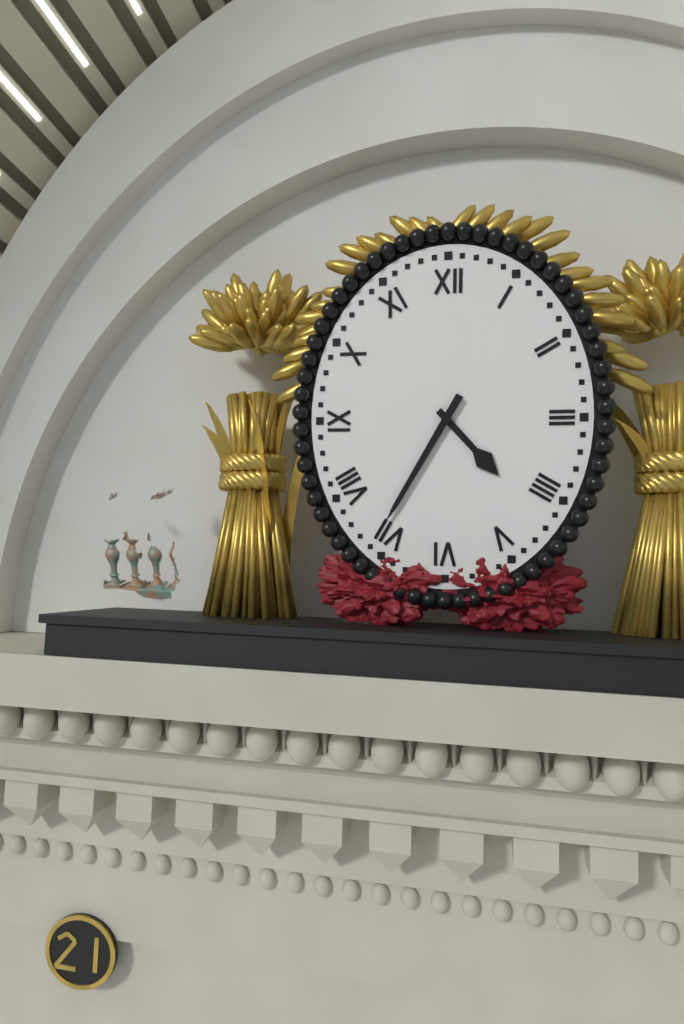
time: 4:35
